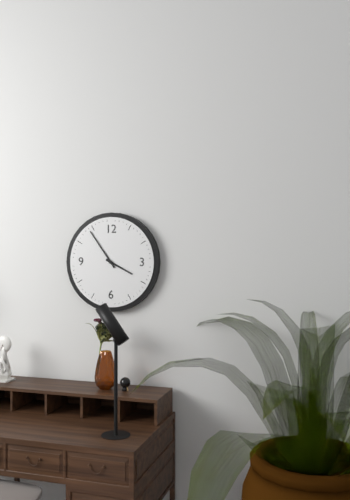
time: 3:54
